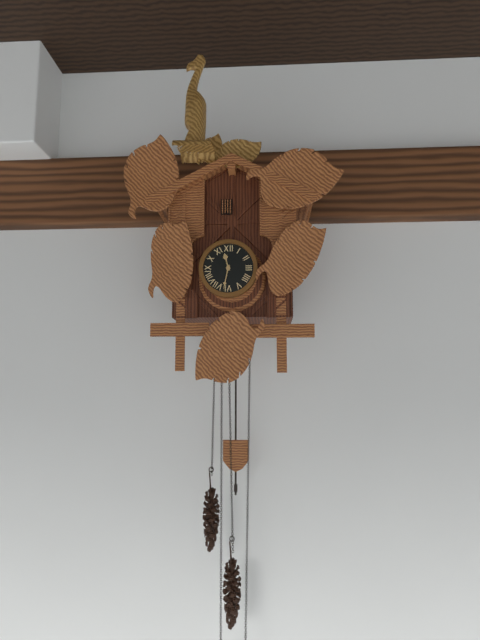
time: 11:32
